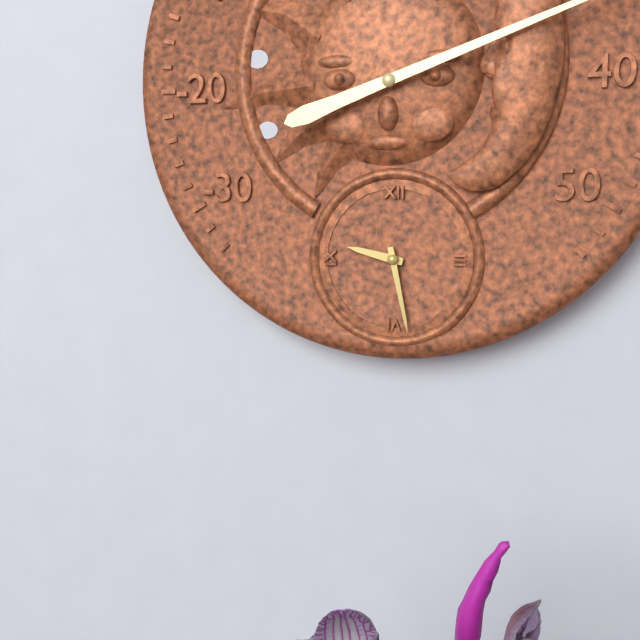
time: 9:28
